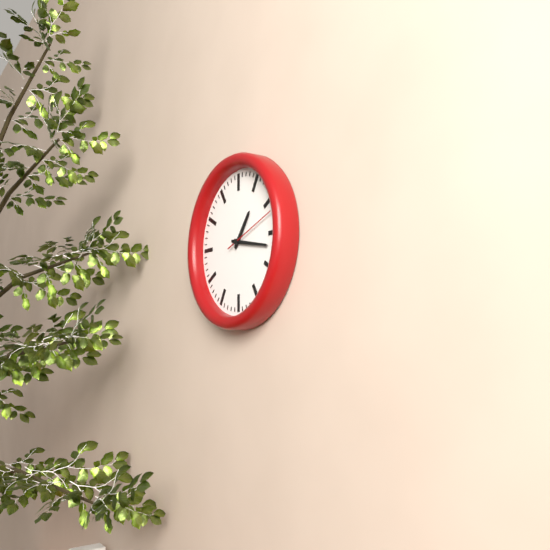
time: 1:17
